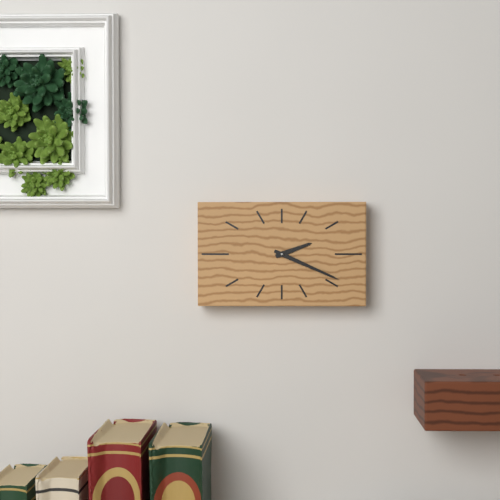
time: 2:19
